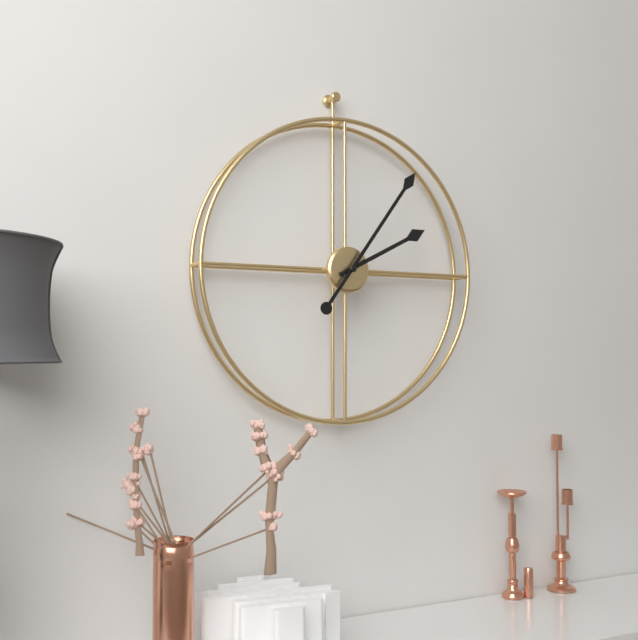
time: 2:06
